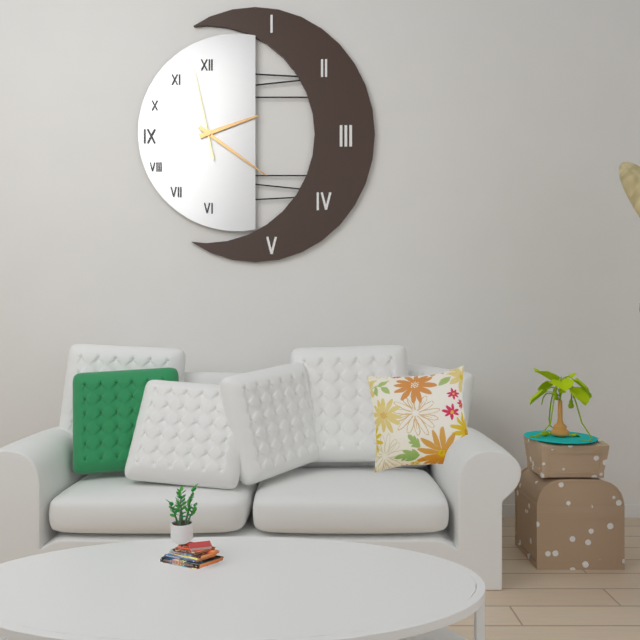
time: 2:21:58
